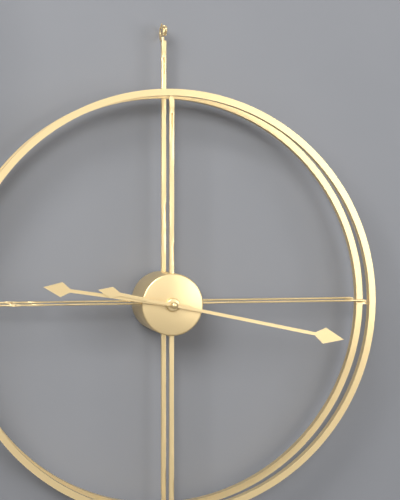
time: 9:17
